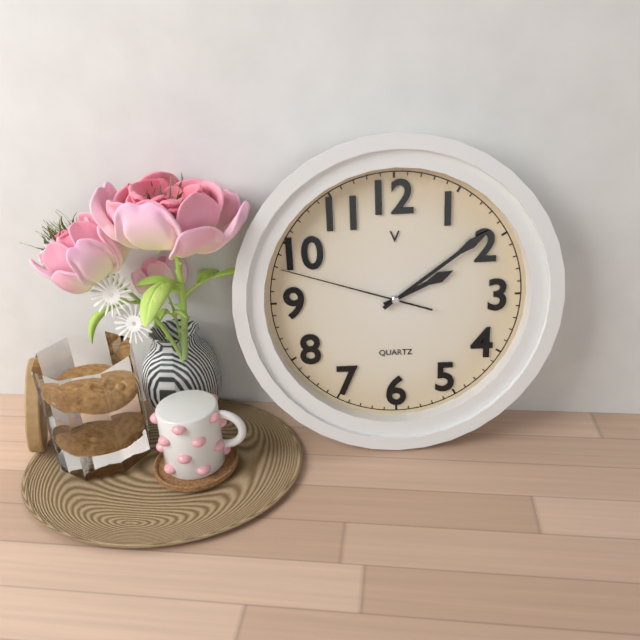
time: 2:09:48
